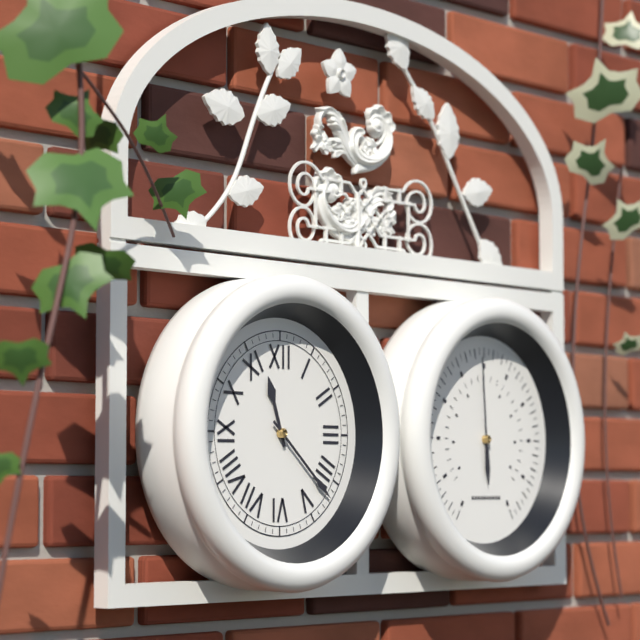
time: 11:22
